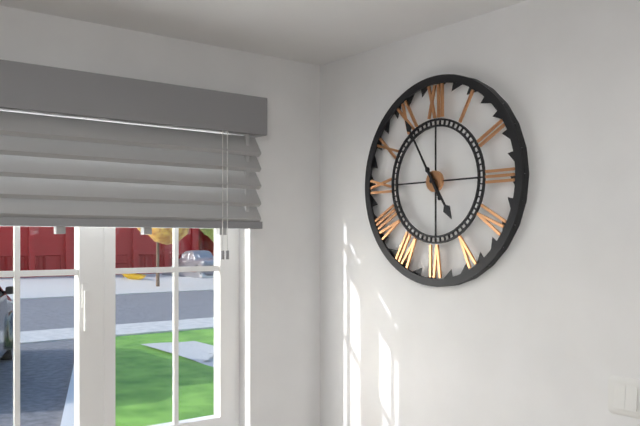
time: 4:55
